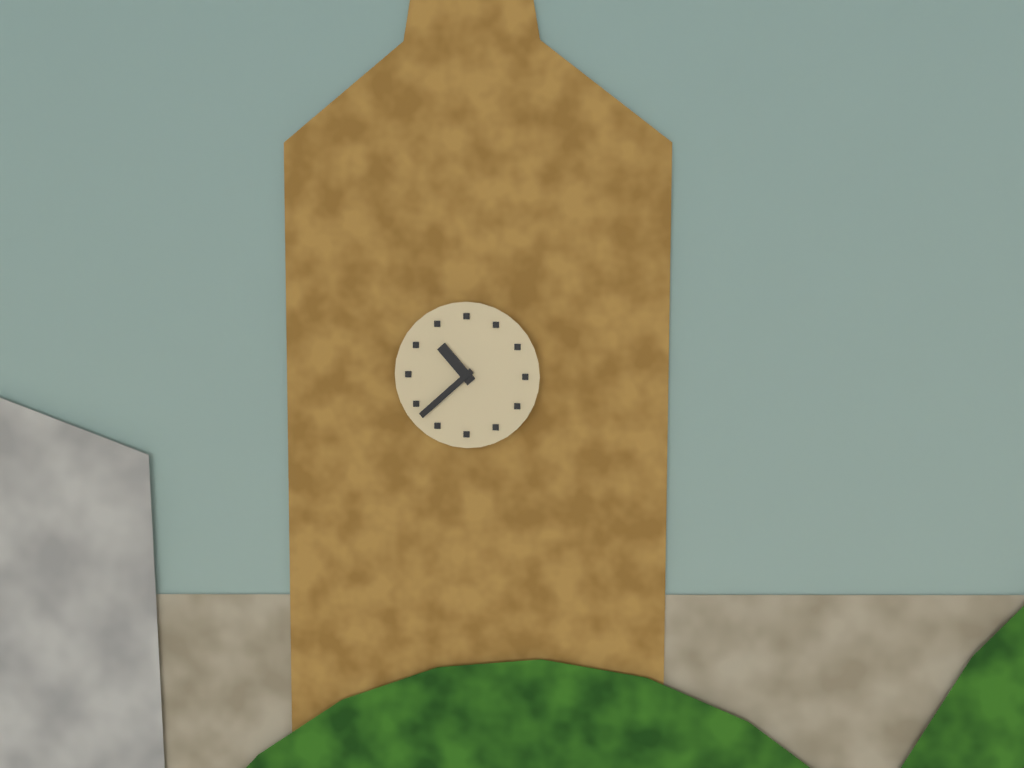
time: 10:38
